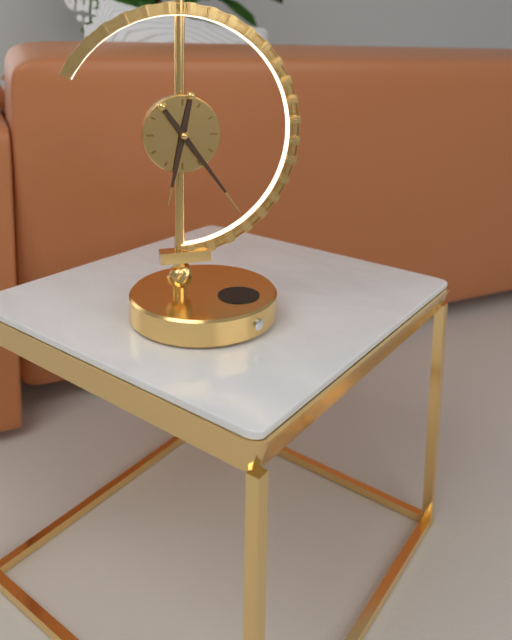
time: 6:24
